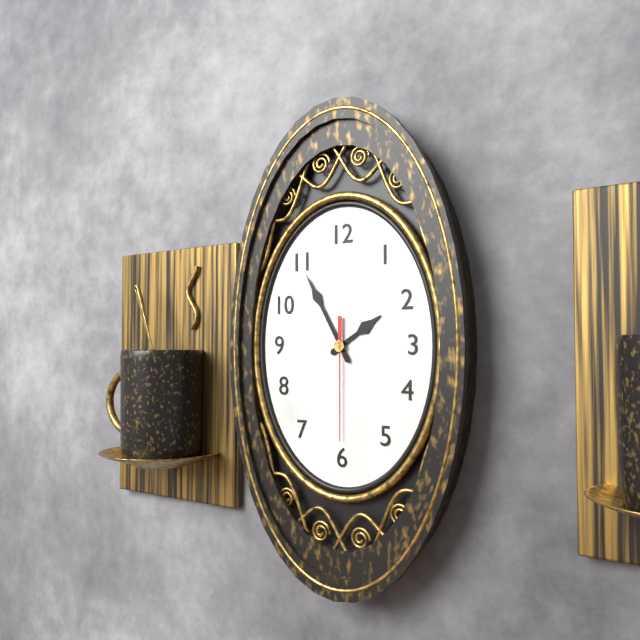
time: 1:55:30
